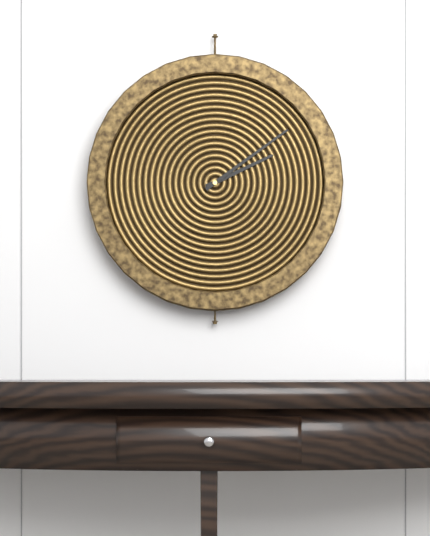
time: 2:09
